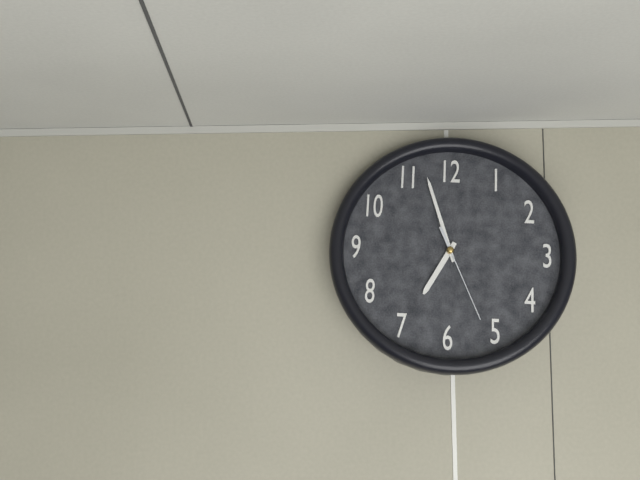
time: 6:57:26
